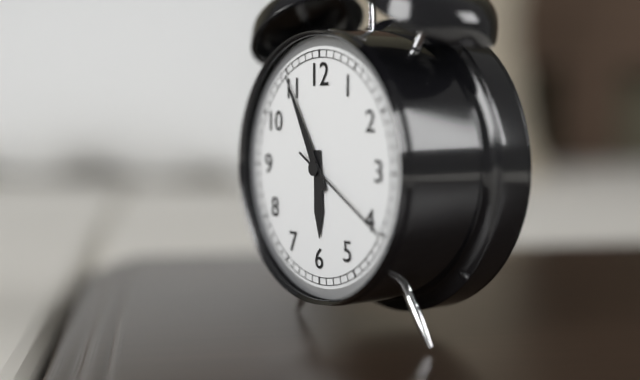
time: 5:55:20
